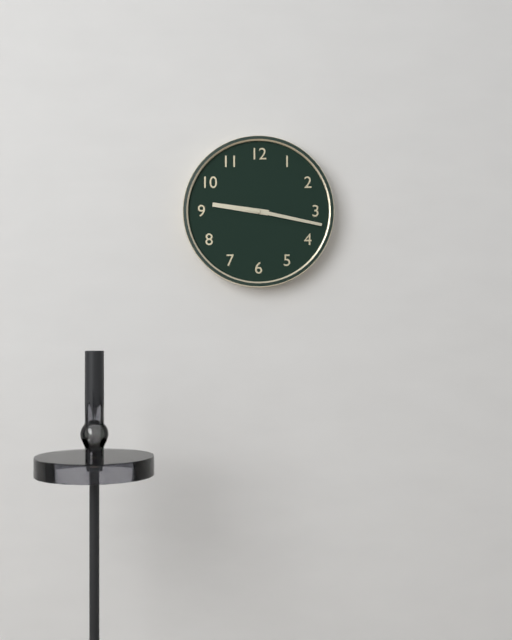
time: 9:17
